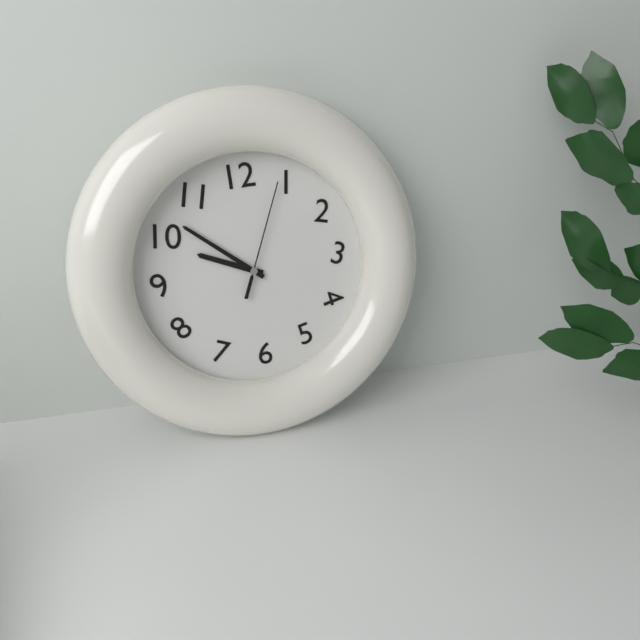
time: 9:52:04
